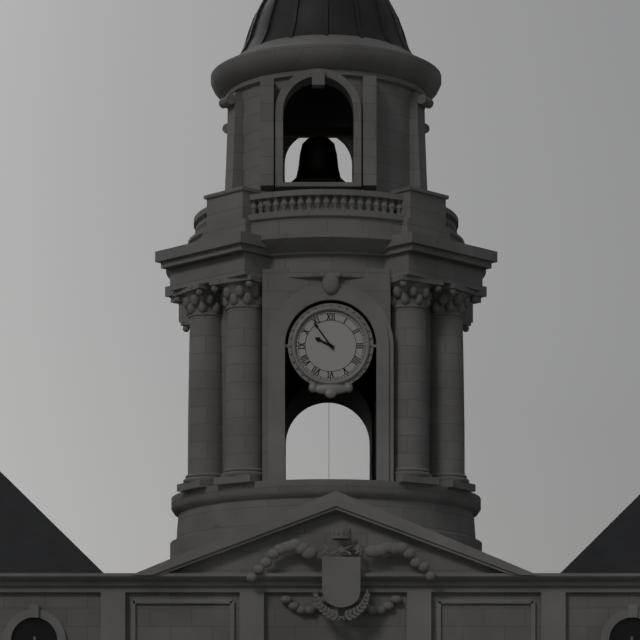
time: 9:54
